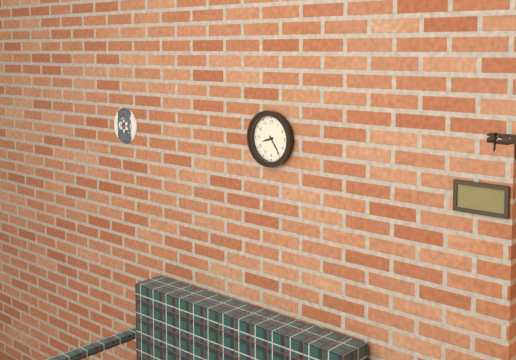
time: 8:24
